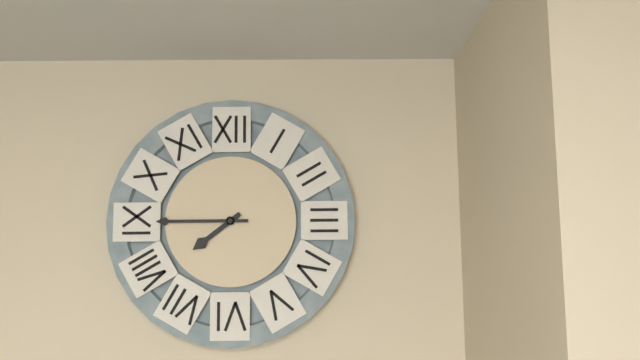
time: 7:45
